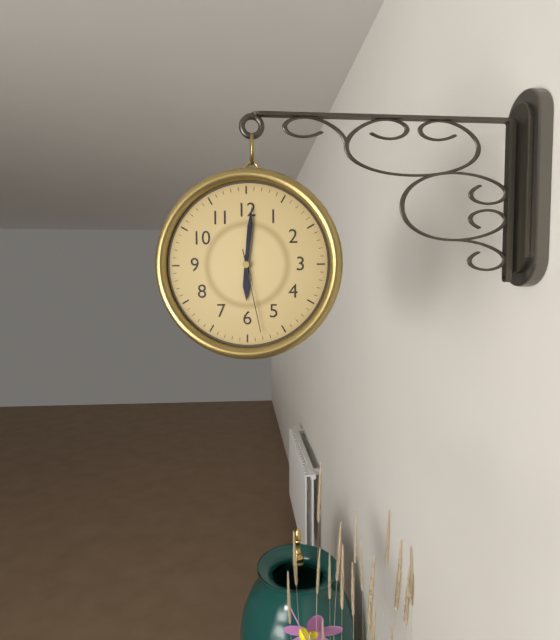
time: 6:01:28
